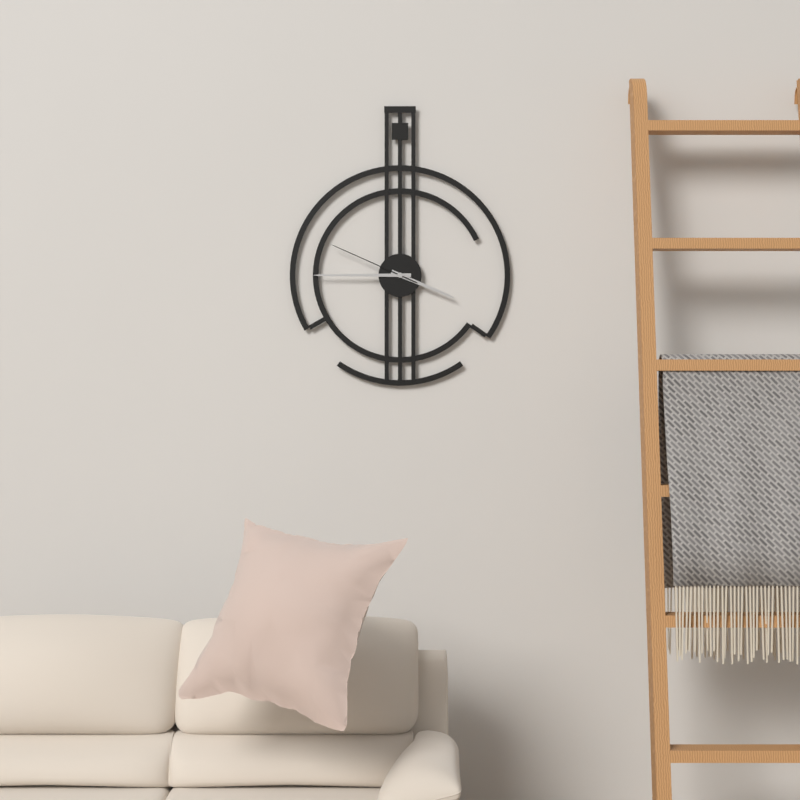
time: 3:45:49
